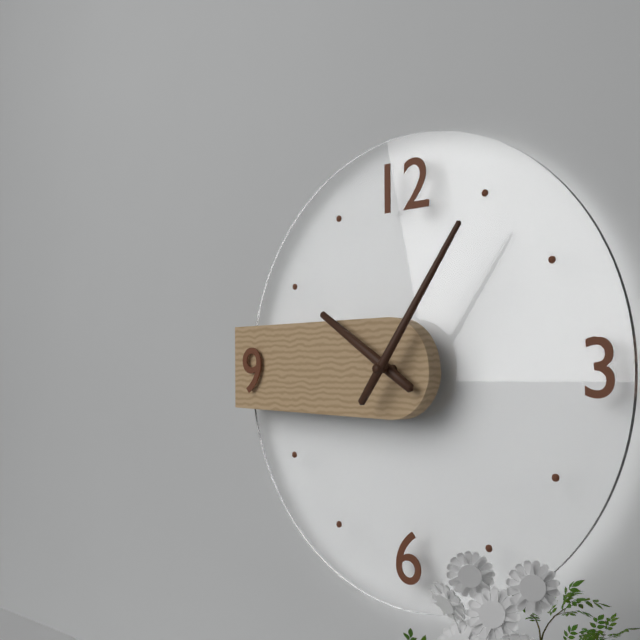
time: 10:06
